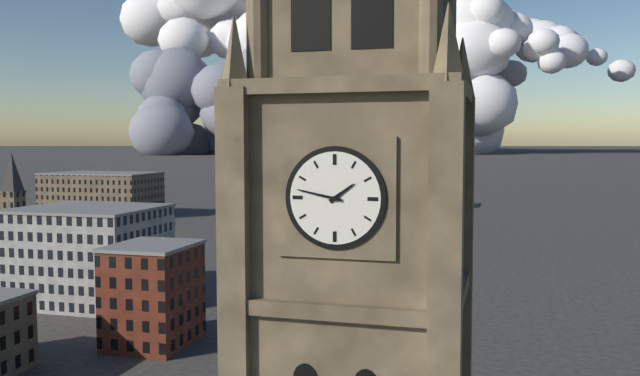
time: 1:47
